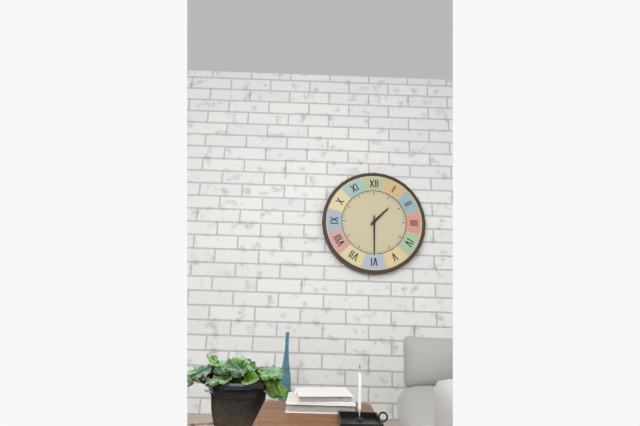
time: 1:30
